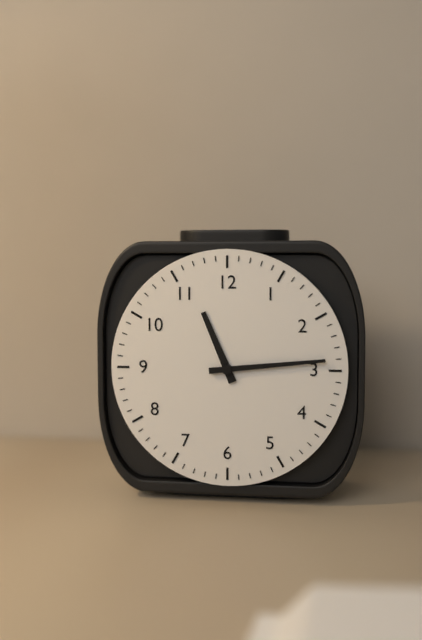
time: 11:14
